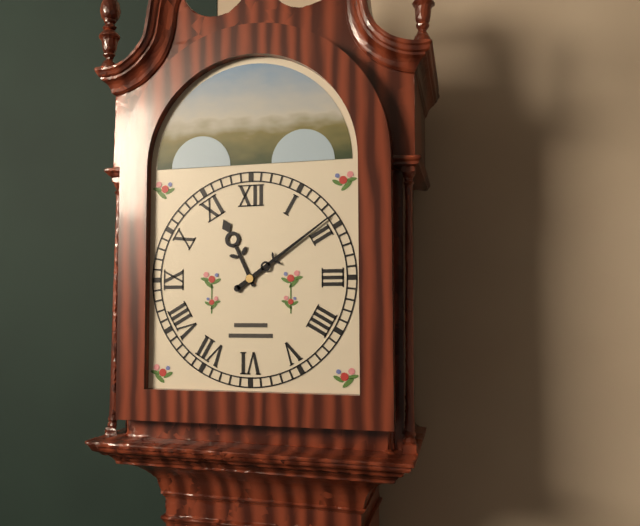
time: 11:09
